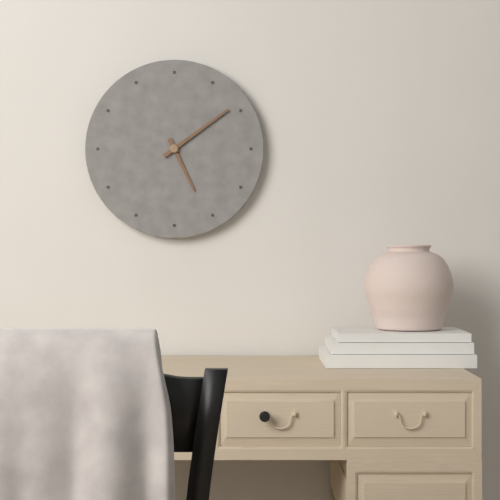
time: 5:09
